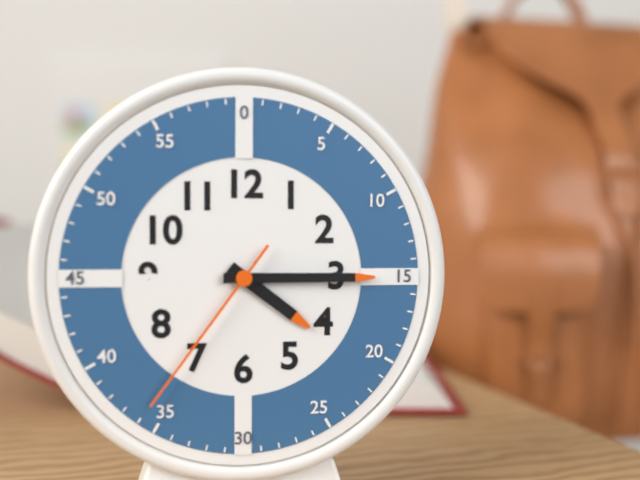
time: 4:15:36
